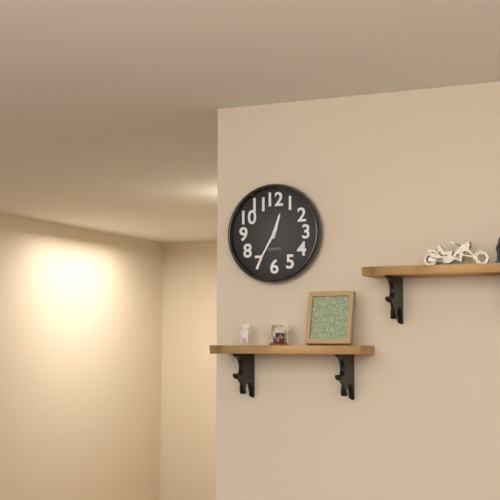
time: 12:35
